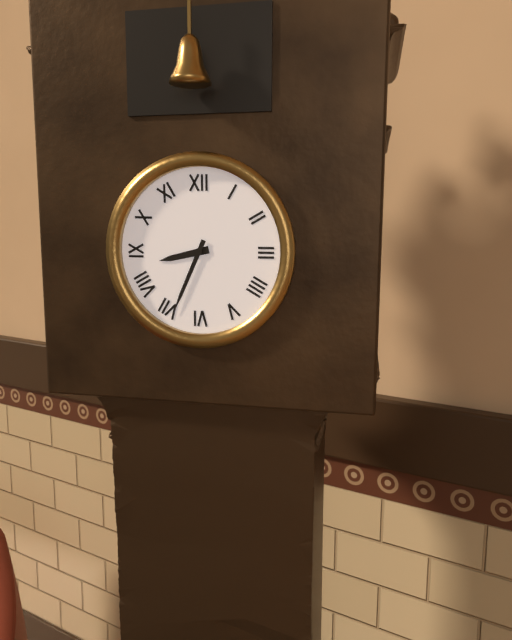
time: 8:34
